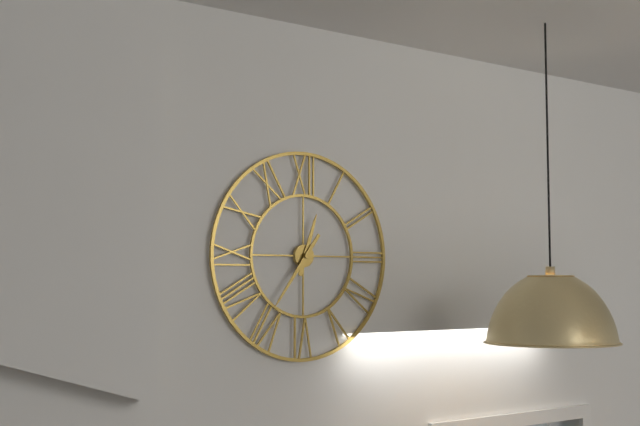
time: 12:36
